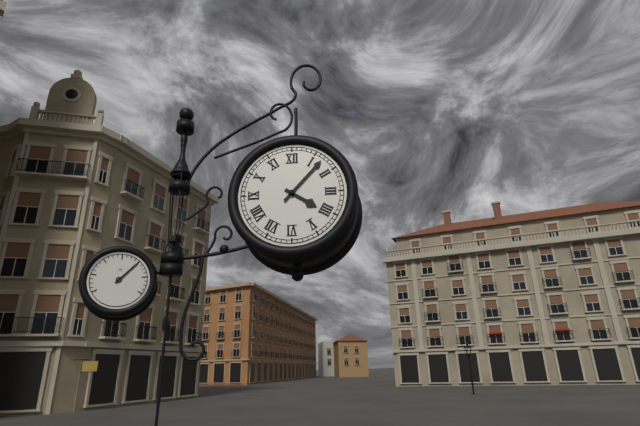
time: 4:07
